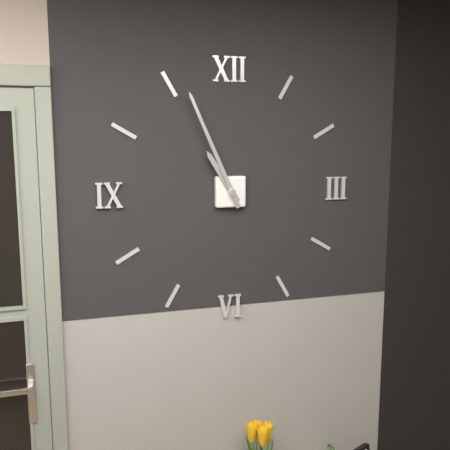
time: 10:56
